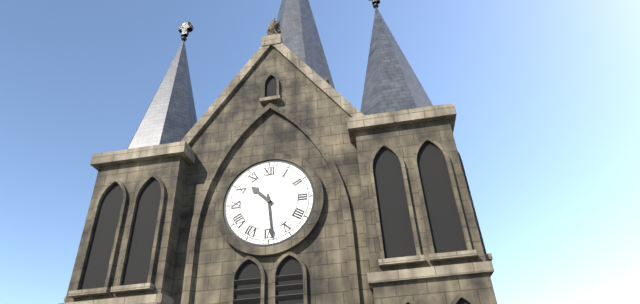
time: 10:29
